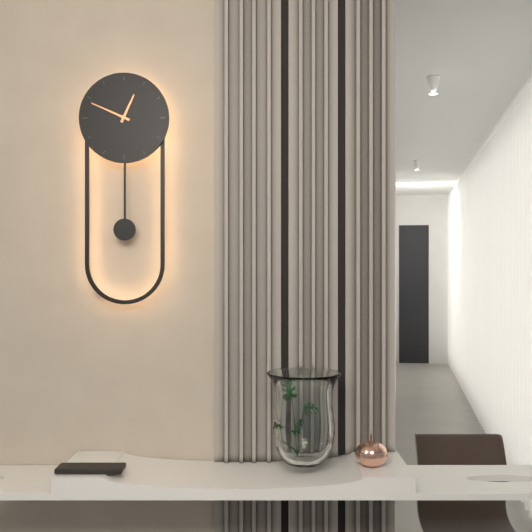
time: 12:49
